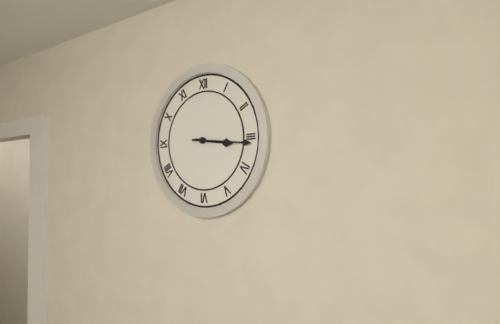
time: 3:16
